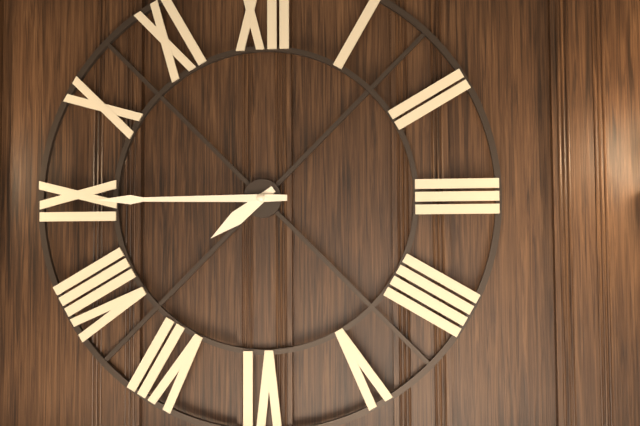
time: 7:45
